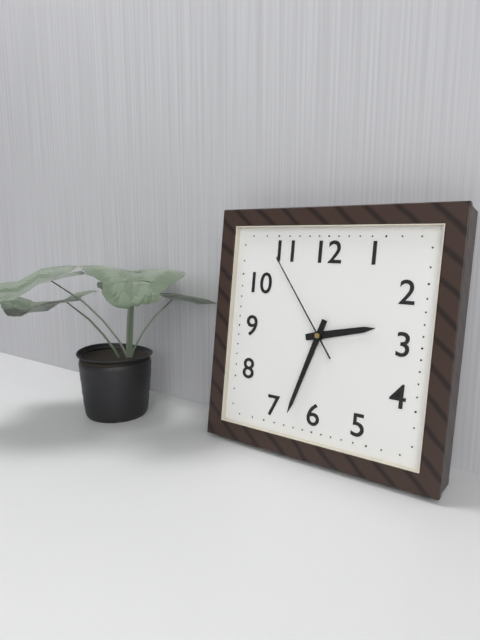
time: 2:33:54
